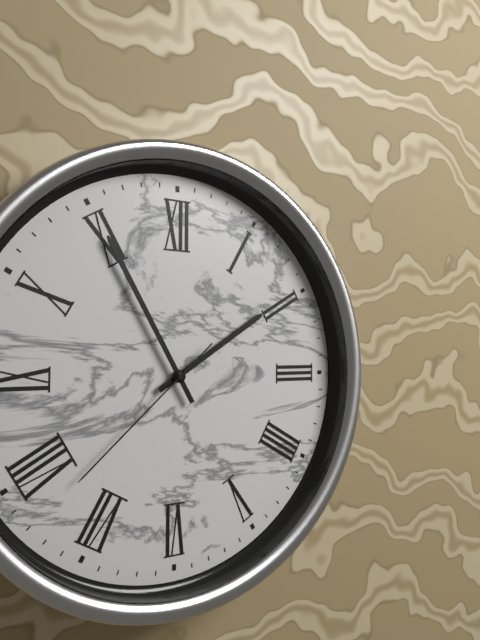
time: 1:55:38
